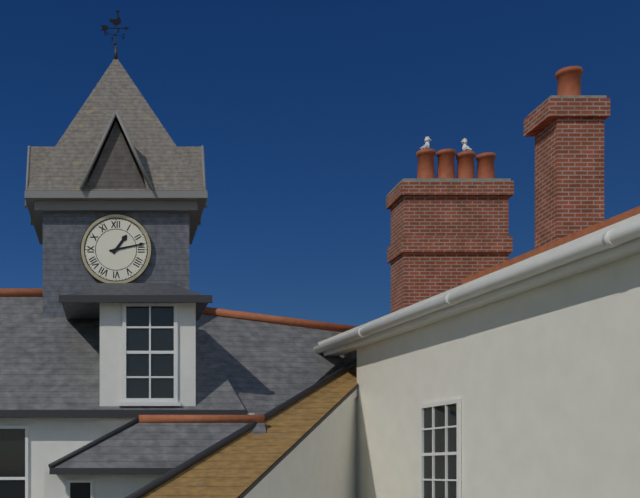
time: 1:13
